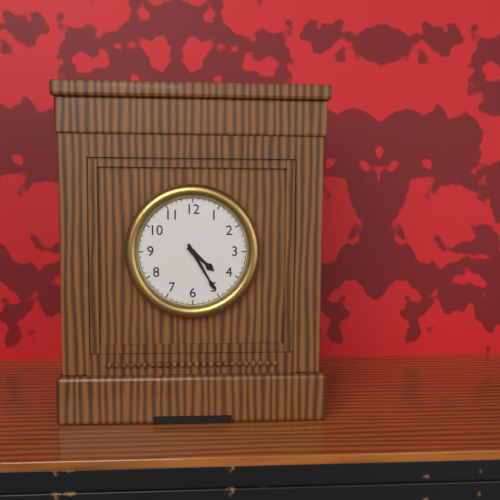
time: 4:25
